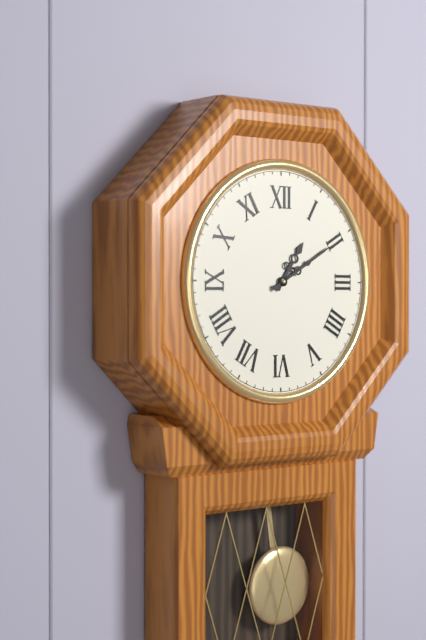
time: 1:10
